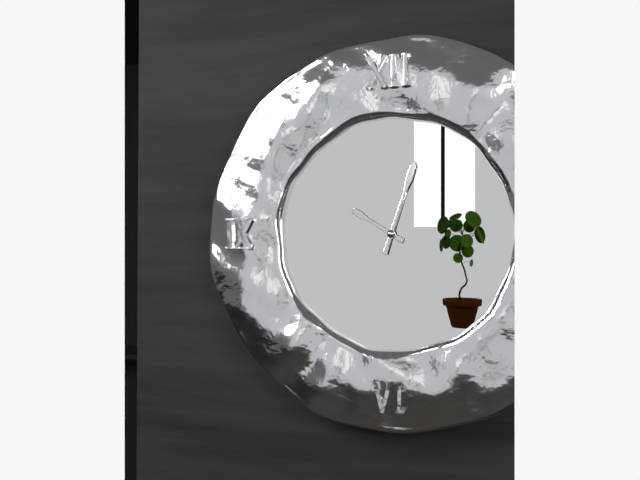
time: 10:03
